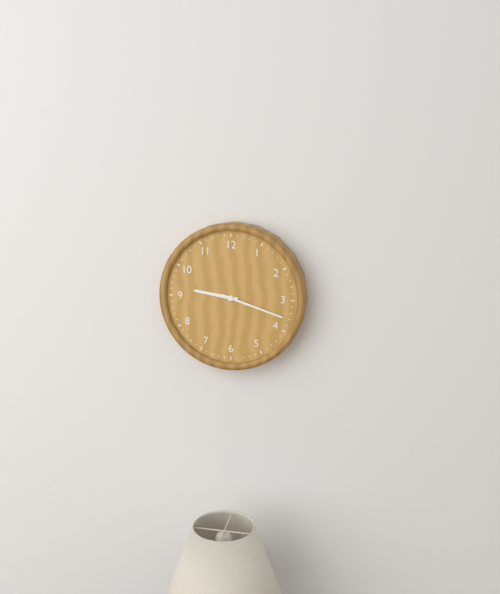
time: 9:18
